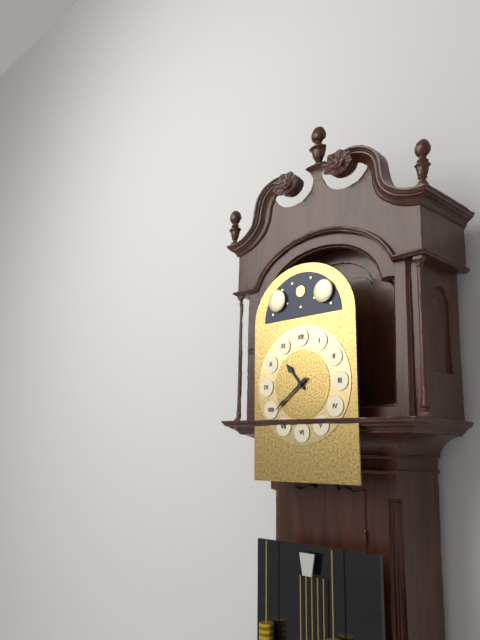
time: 10:39
